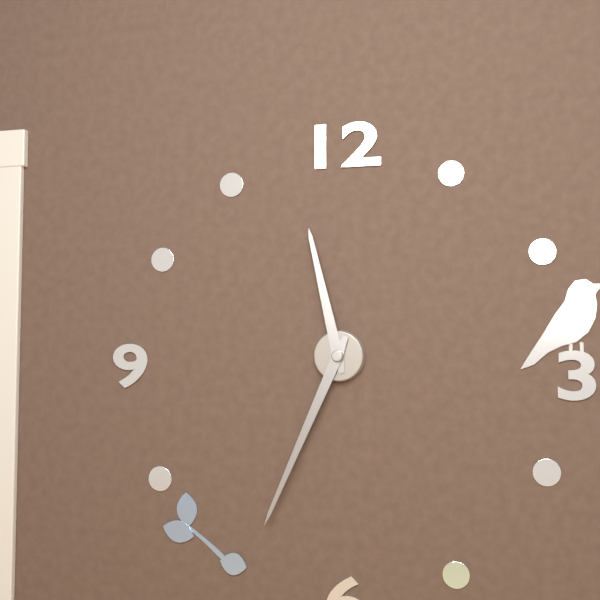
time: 11:34
